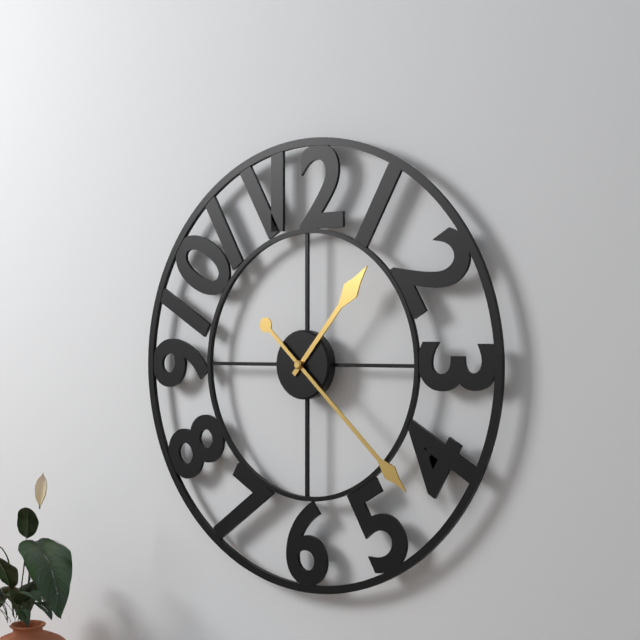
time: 1:22
